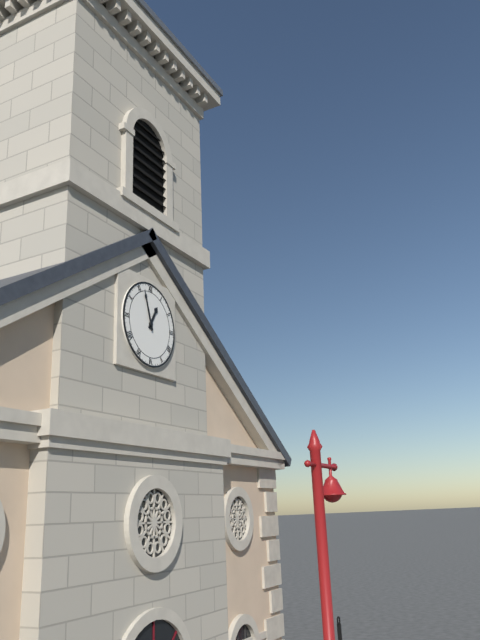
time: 12:57
